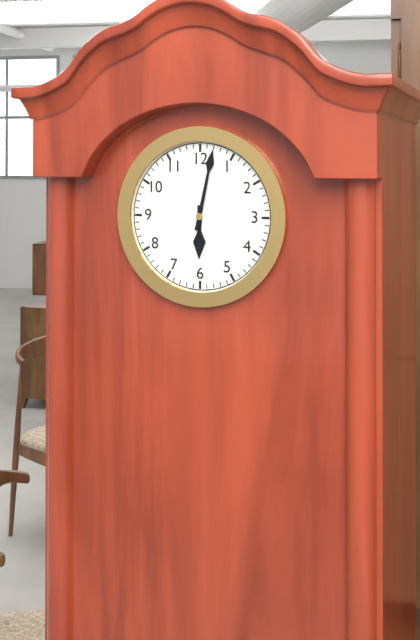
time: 6:02
